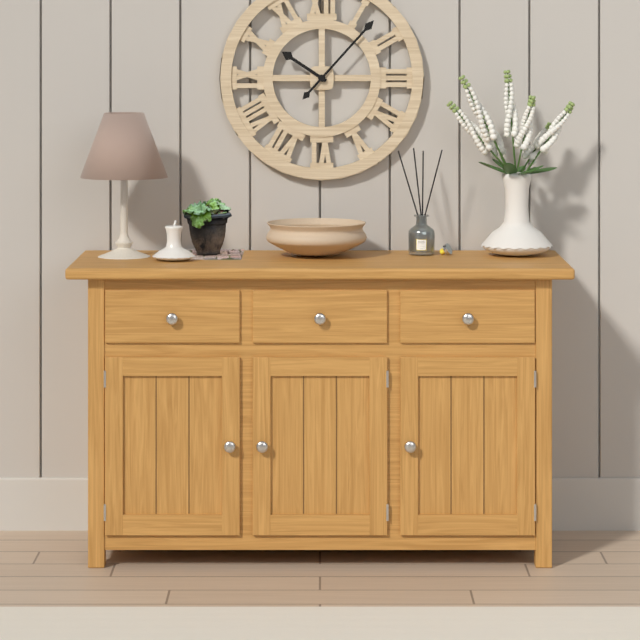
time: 10:07
